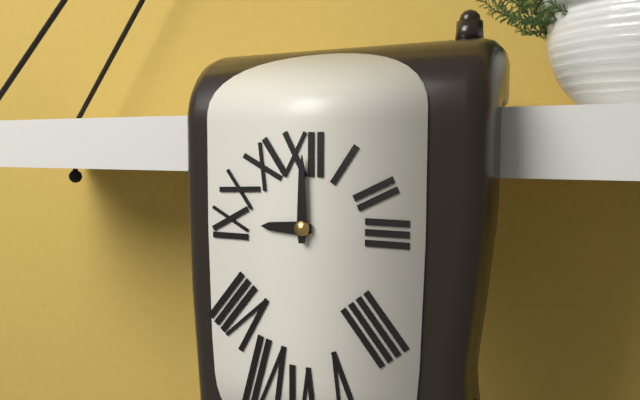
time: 9:00
